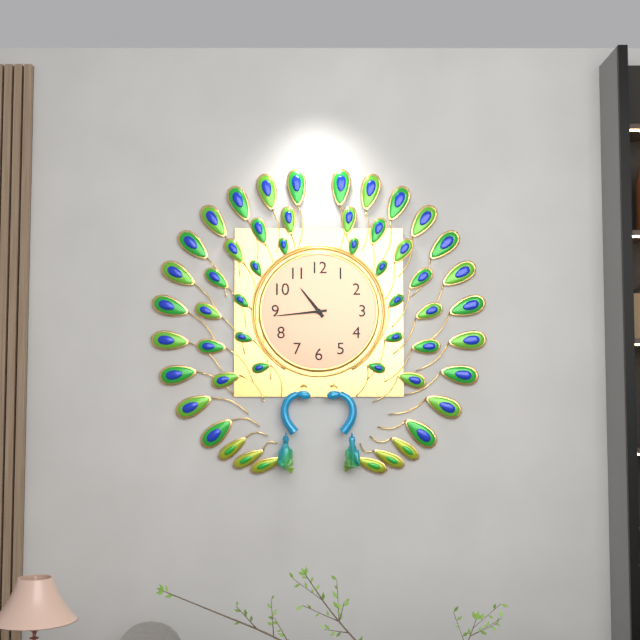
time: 10:44
